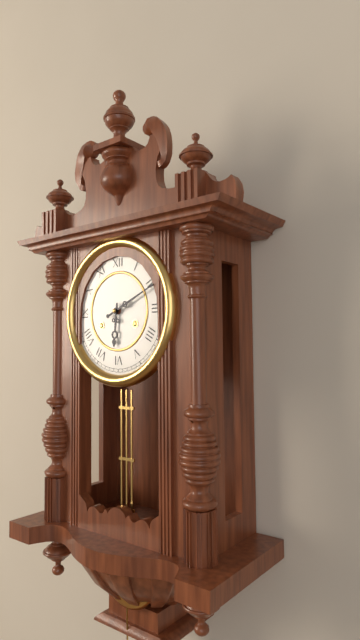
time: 6:11
